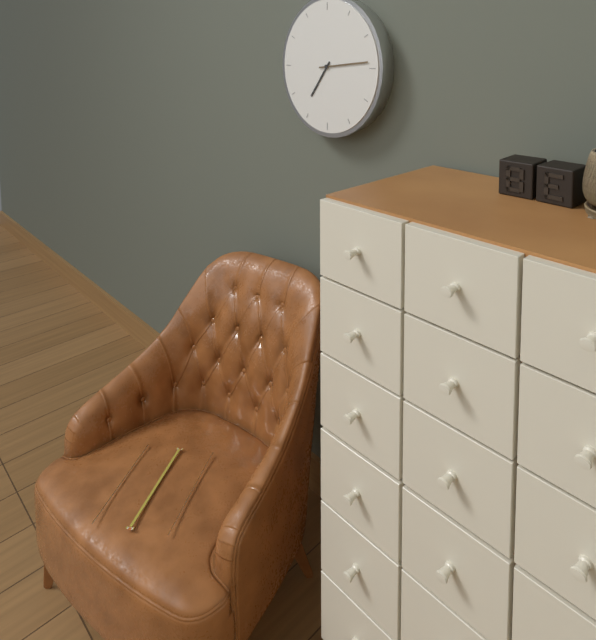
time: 7:14
